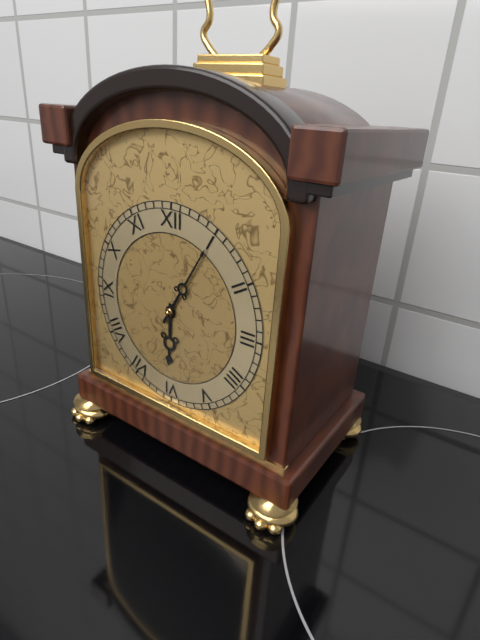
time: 6:05
